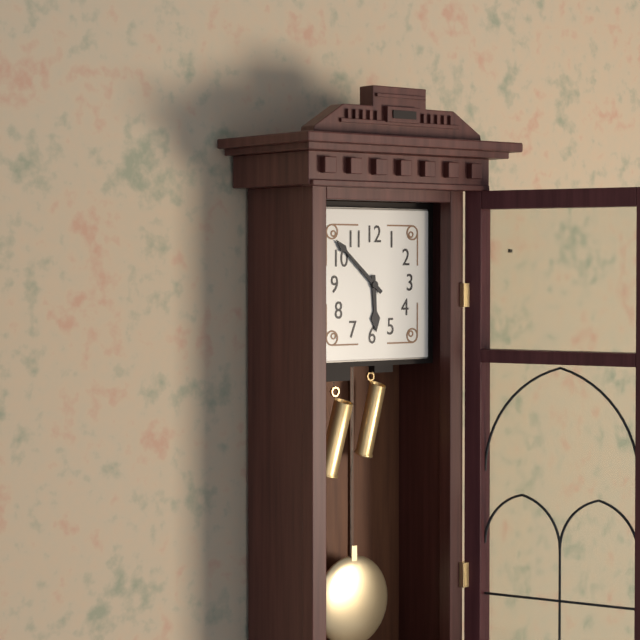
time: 5:52
